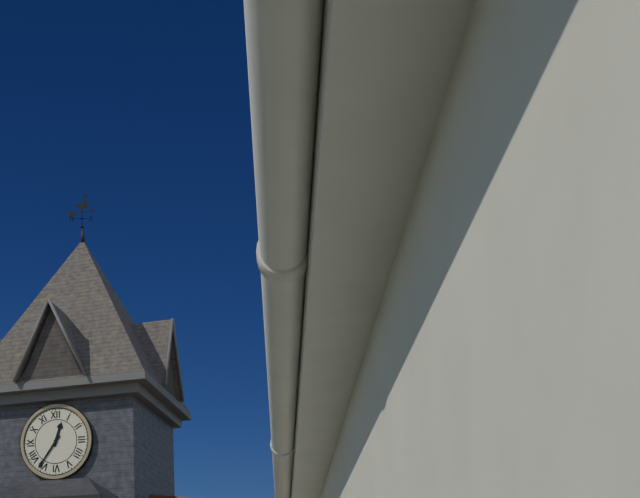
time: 12:36
